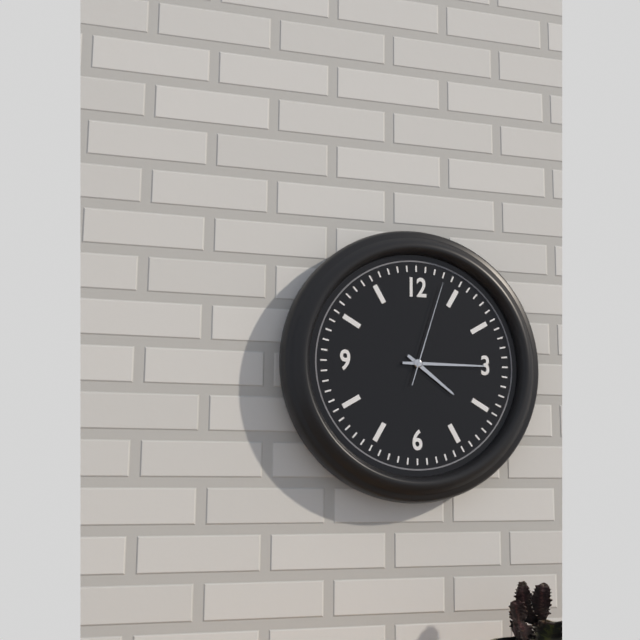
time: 4:15:03
